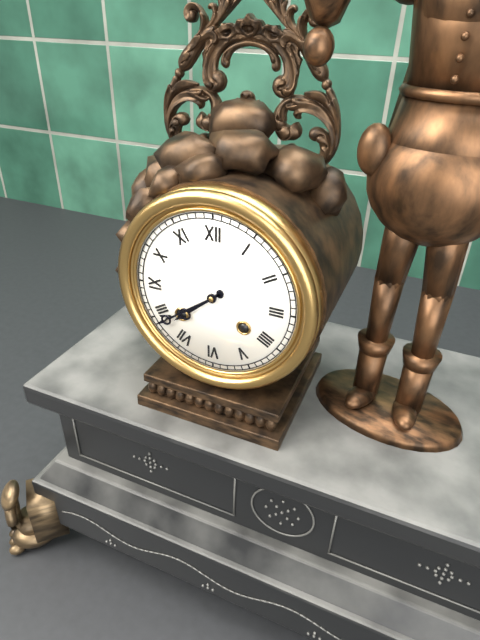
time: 7:39
